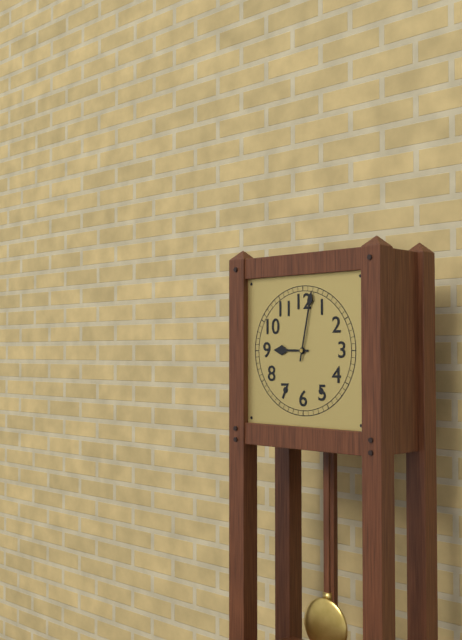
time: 9:02
